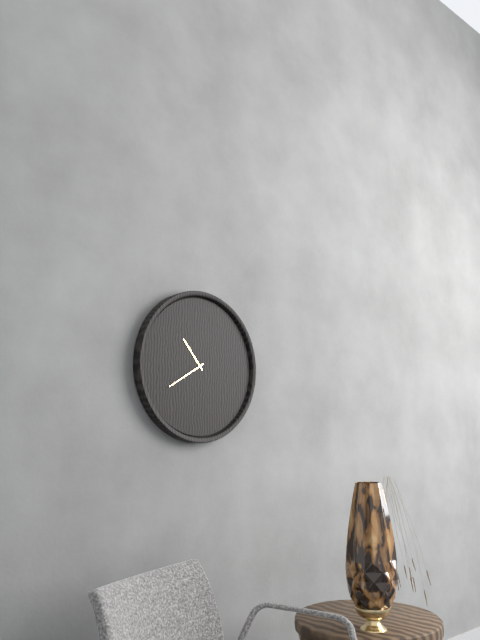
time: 10:40
